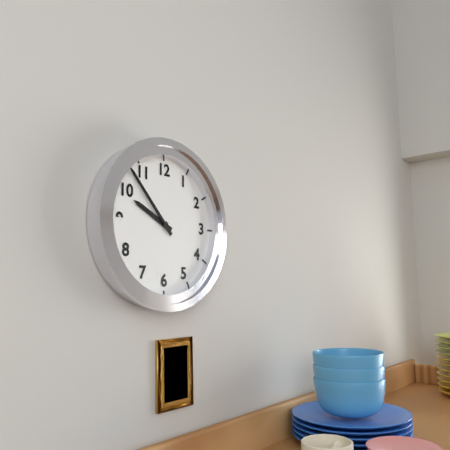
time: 9:53
